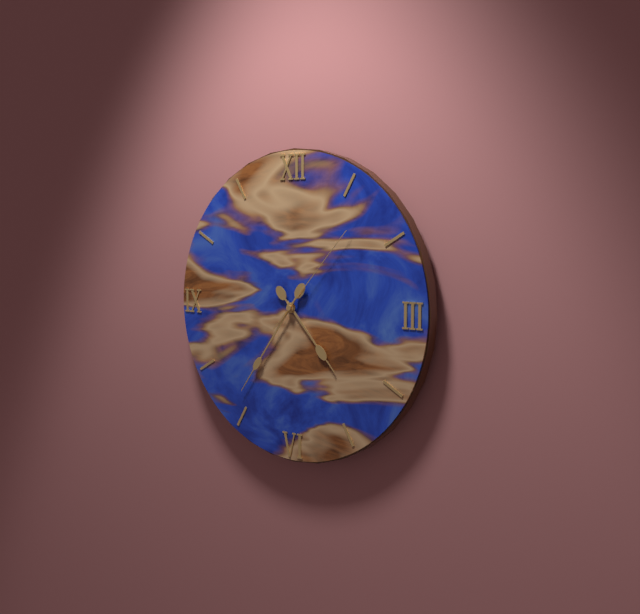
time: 4:36:07
